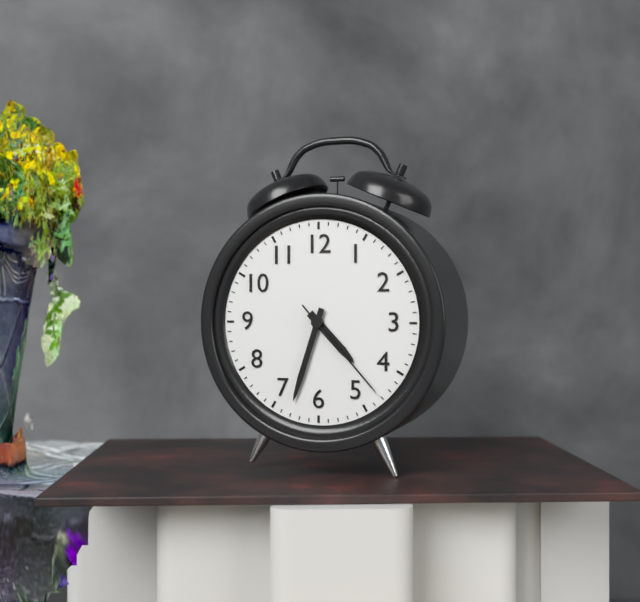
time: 4:33:23
